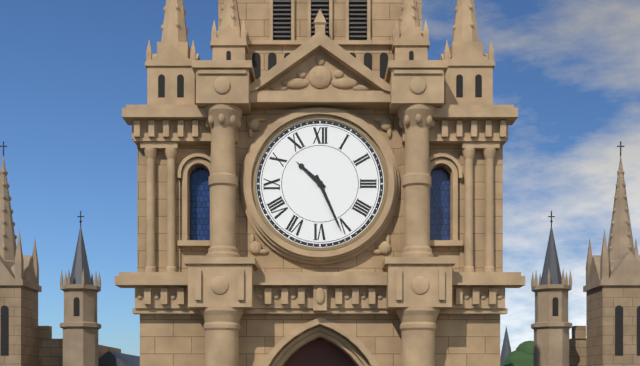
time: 10:26
